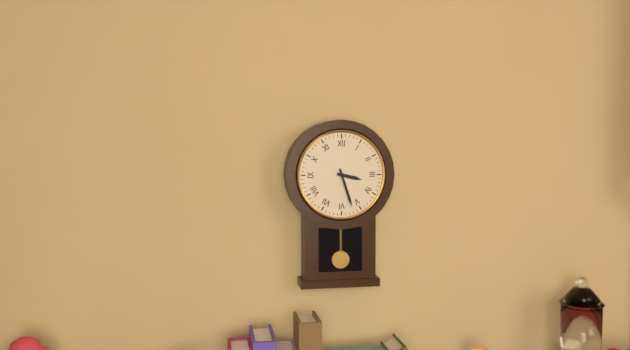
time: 3:27
